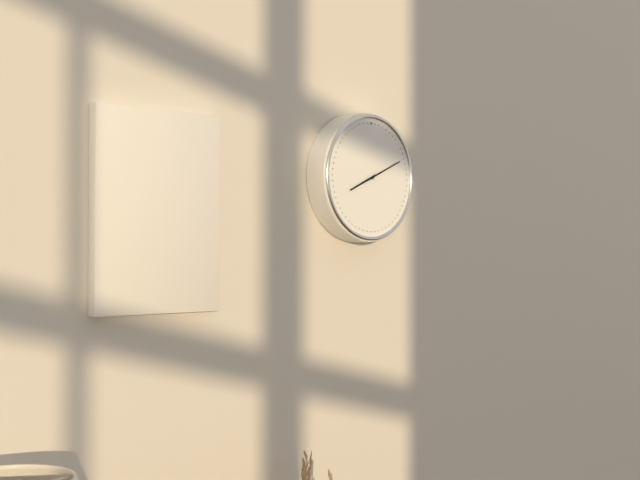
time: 8:11
